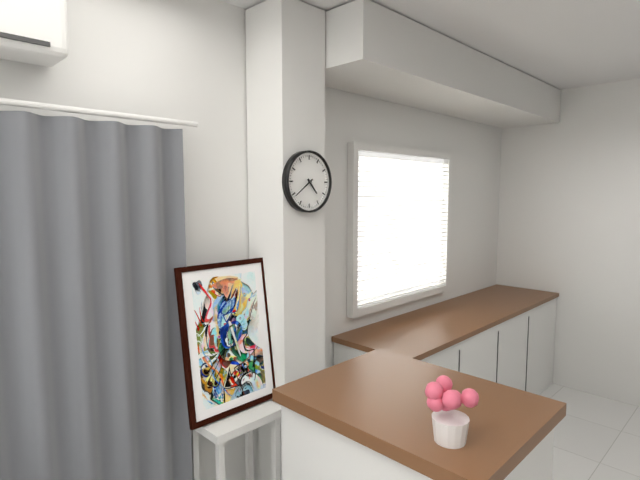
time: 4:39
